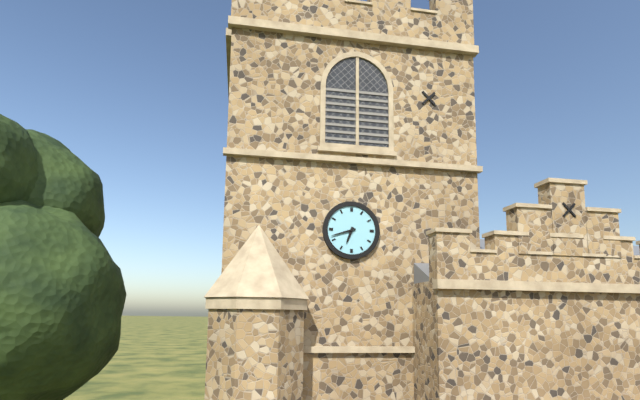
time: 6:42
